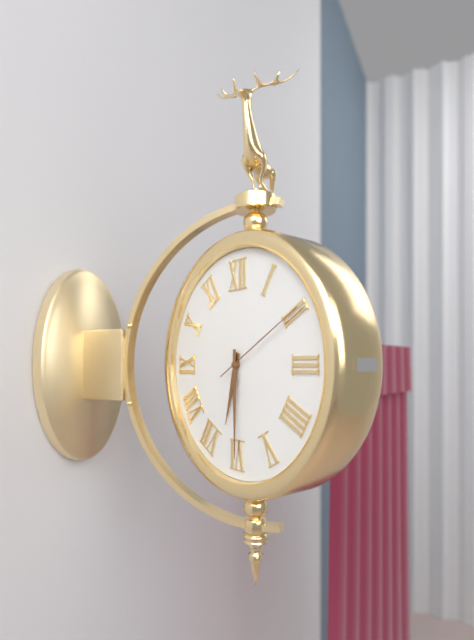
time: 6:30:10
